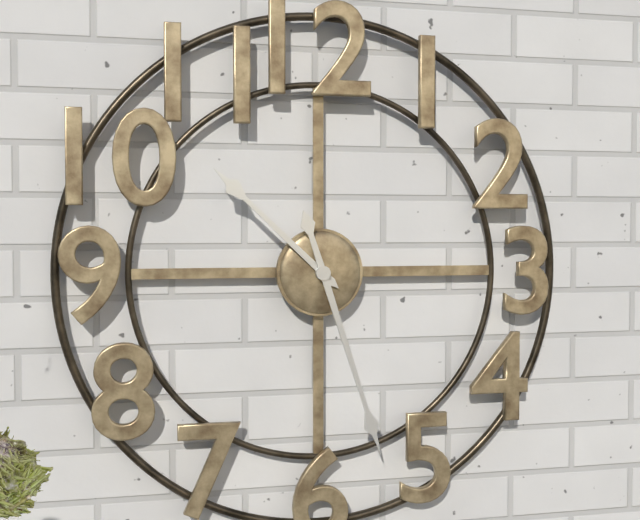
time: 10:27
